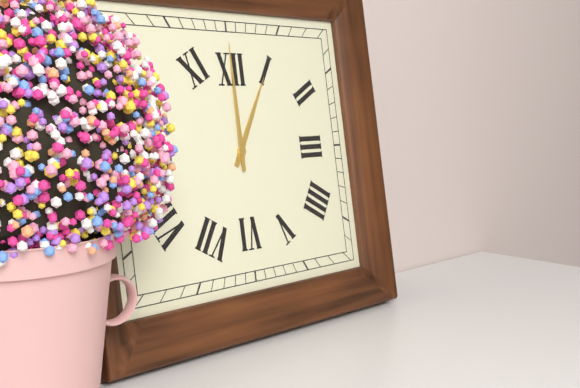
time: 1:00
